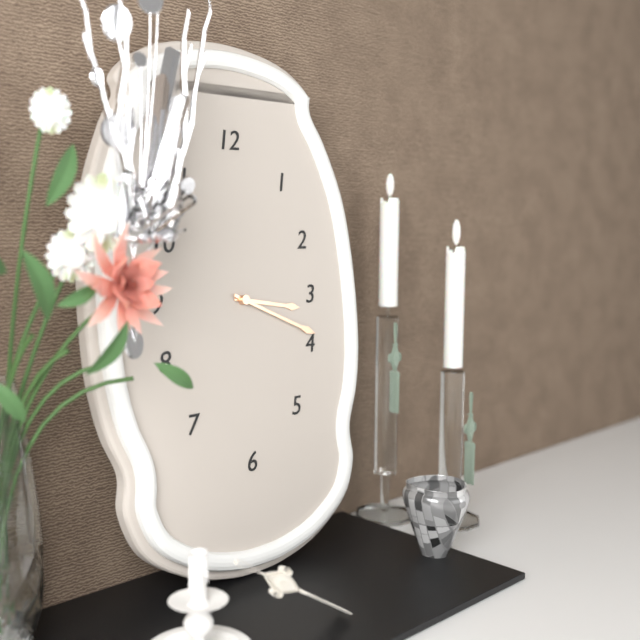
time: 3:19
